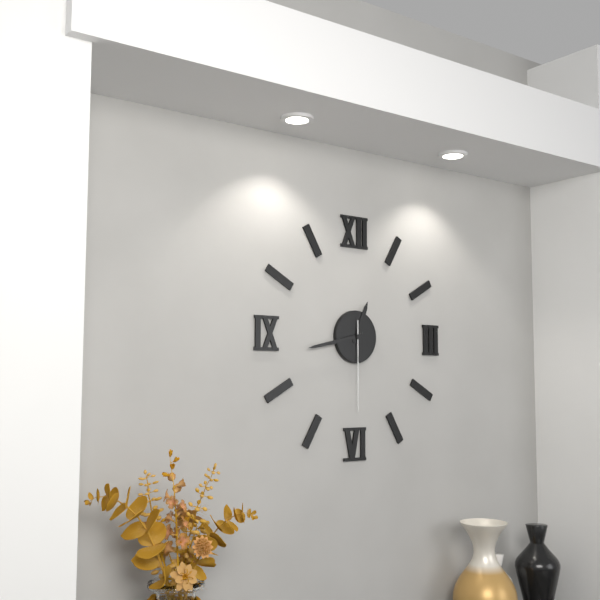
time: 12:43:30
